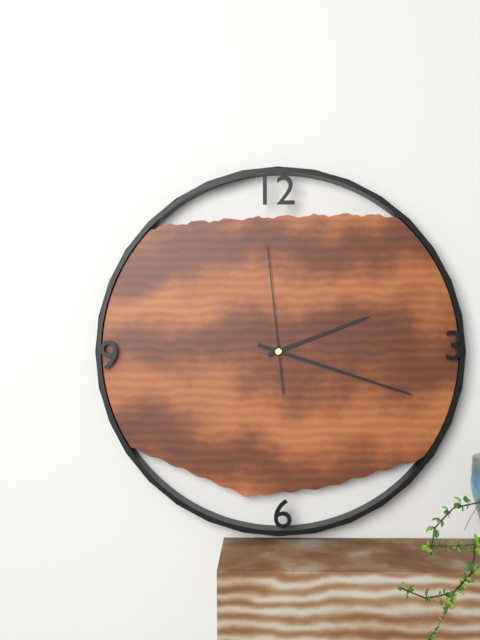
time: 2:18:59
